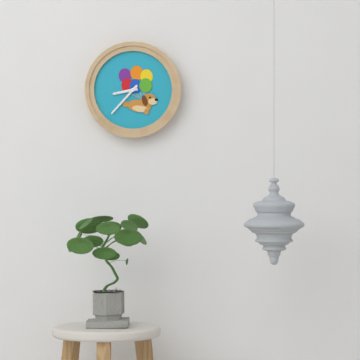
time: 8:37
